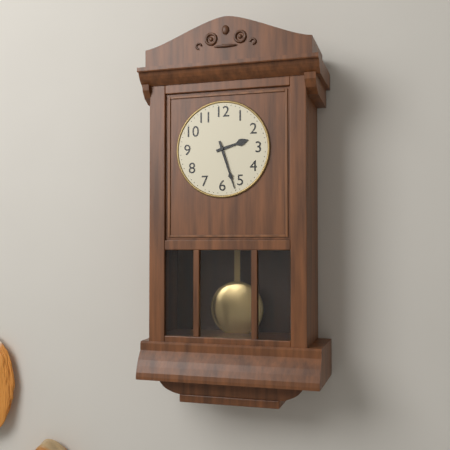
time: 2:27
